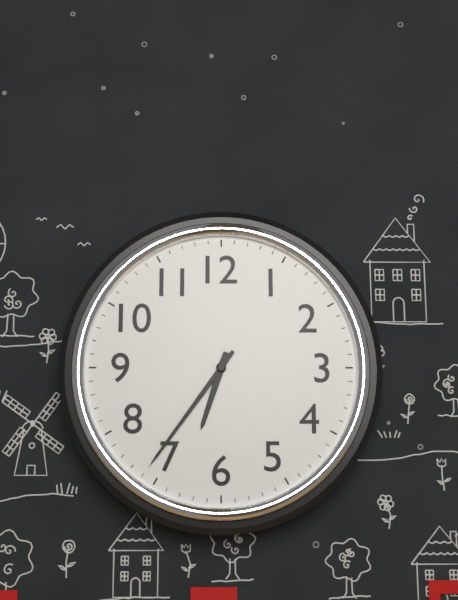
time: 6:36
